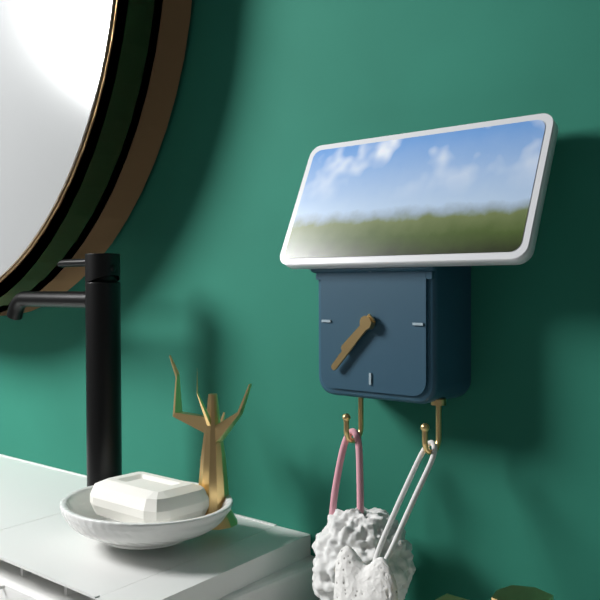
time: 7:37
